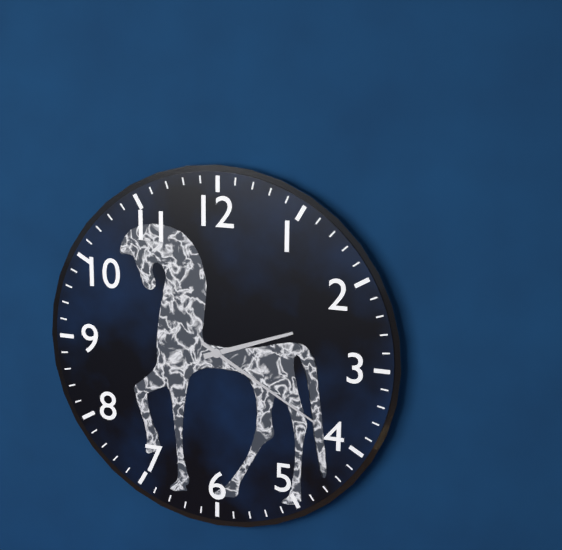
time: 2:20
